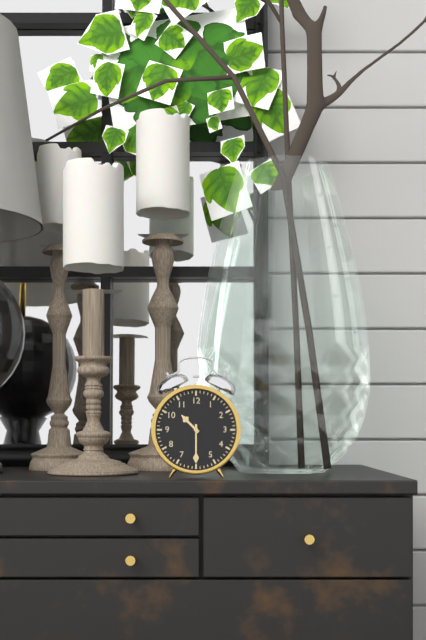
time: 10:30
